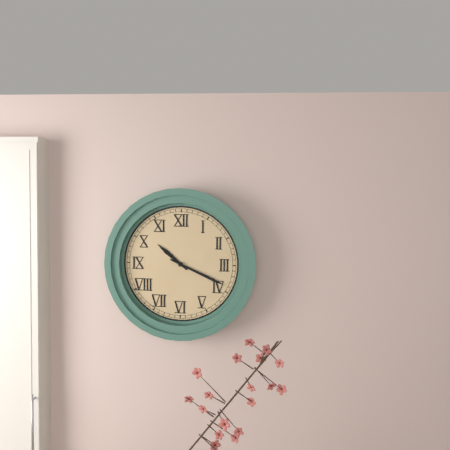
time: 10:19
